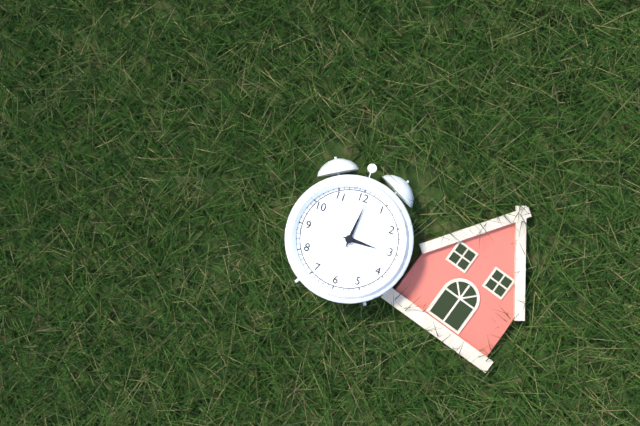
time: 3:01
